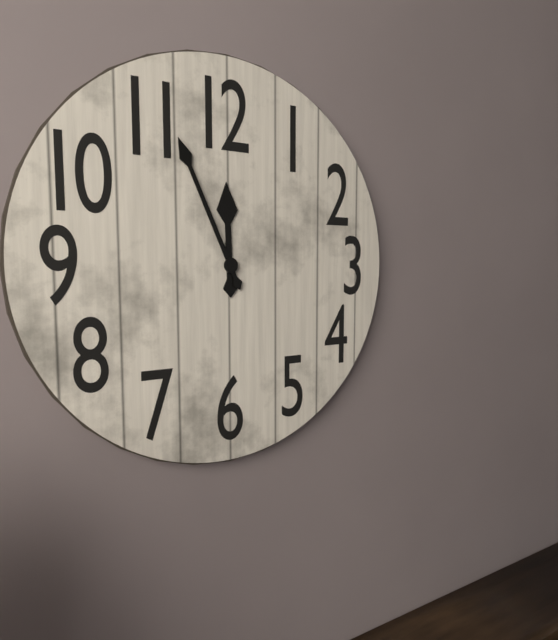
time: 11:56
